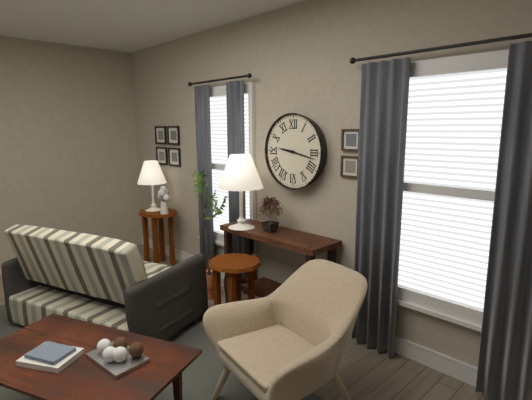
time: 9:17
